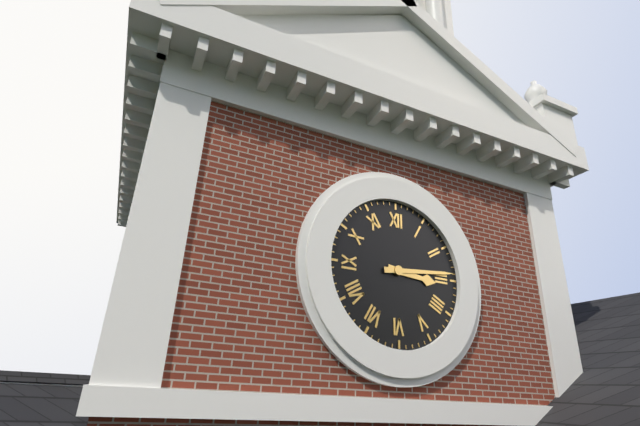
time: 3:14
